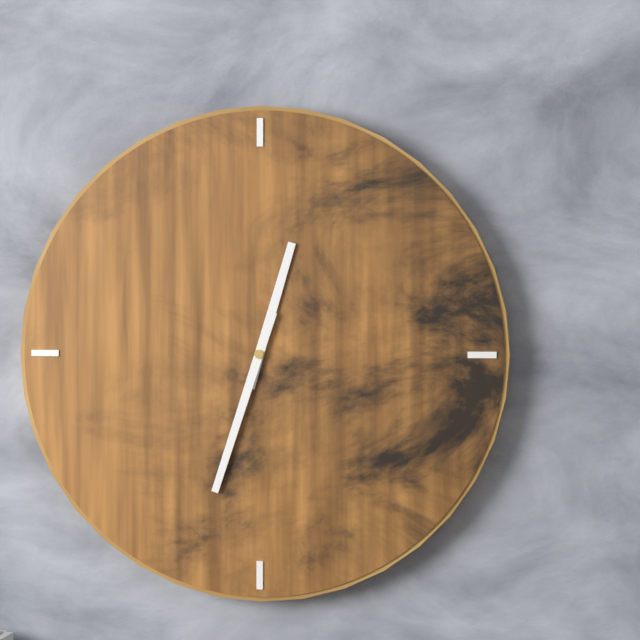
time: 12:33
